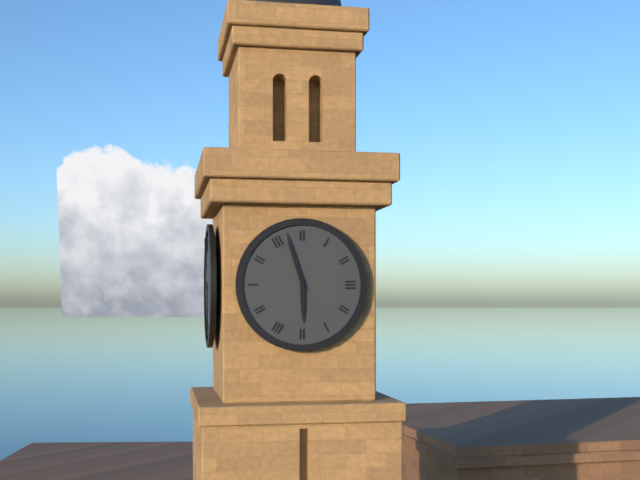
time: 5:57
